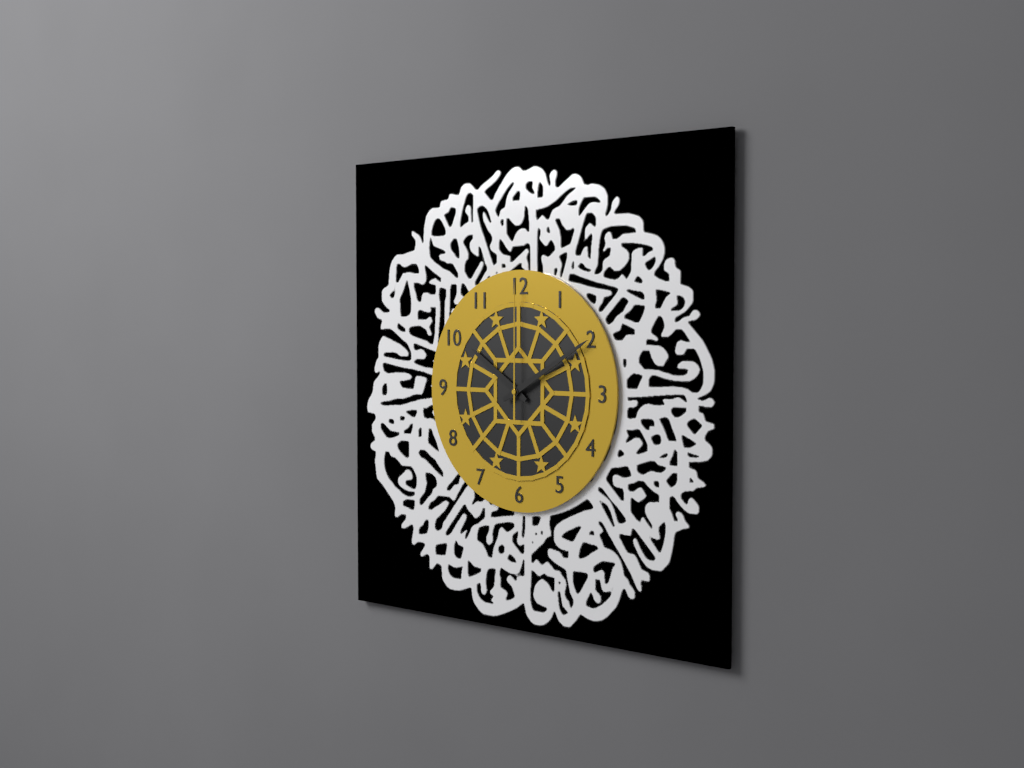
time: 10:10:00
